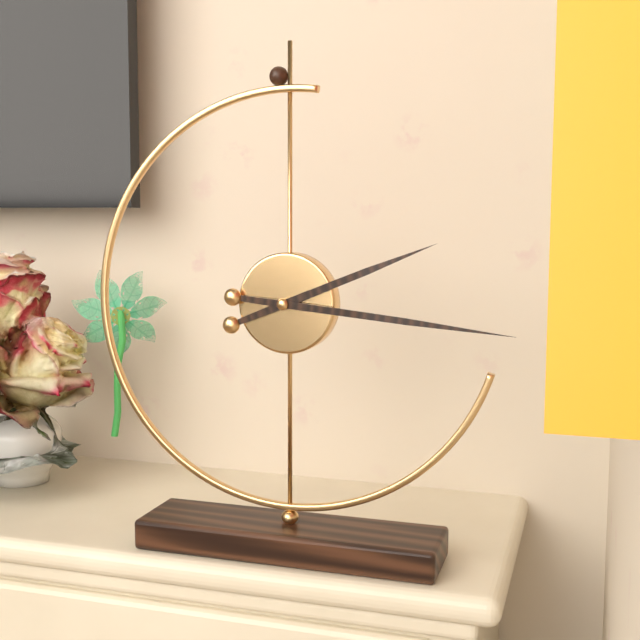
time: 2:16
